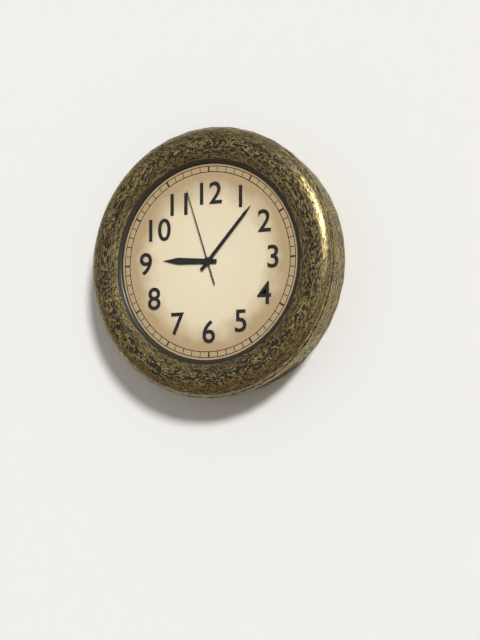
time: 9:07:57
